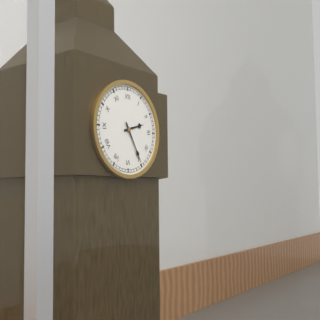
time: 2:25
